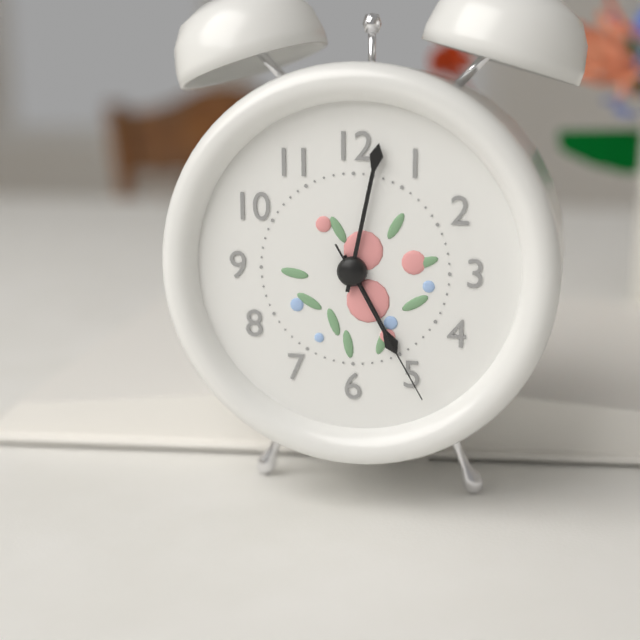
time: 5:02:25
